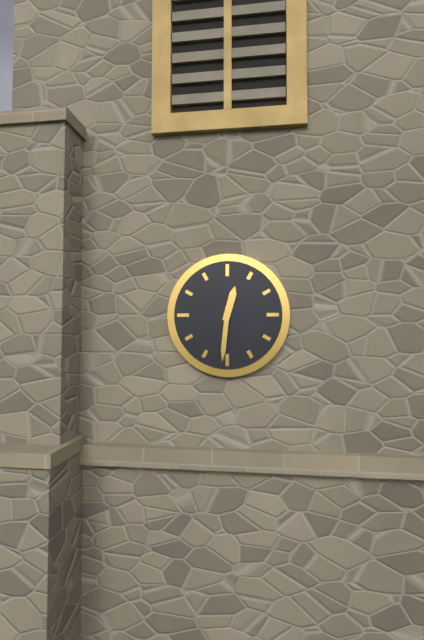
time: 12:31
